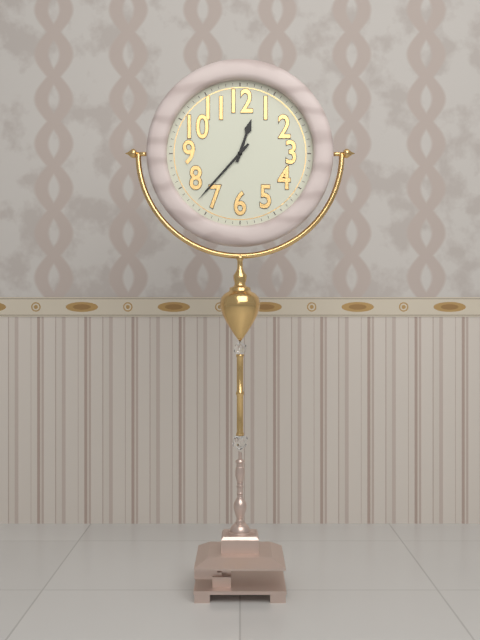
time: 12:37
